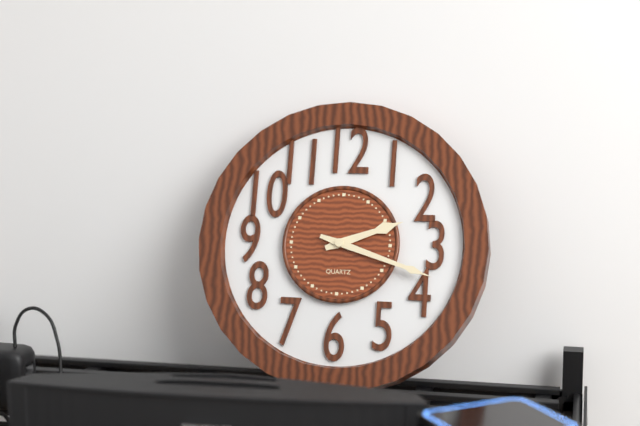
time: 2:18
